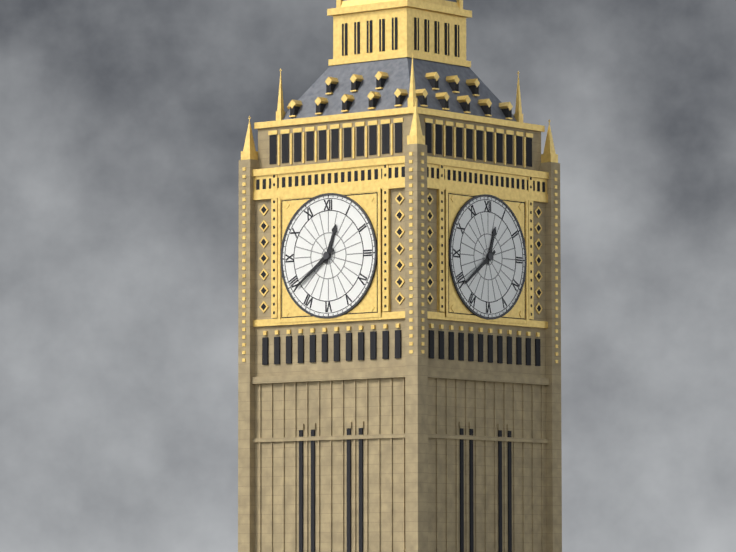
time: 12:39
